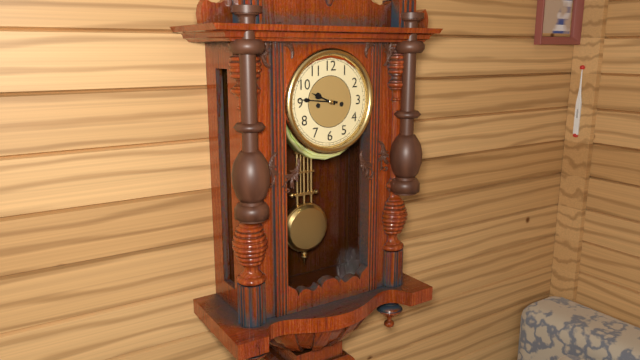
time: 9:46
